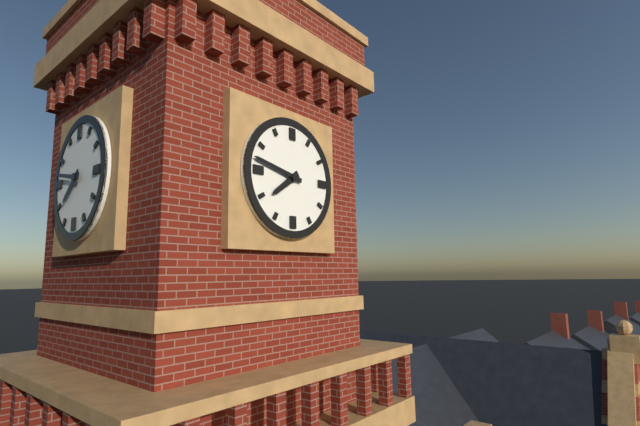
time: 7:47
